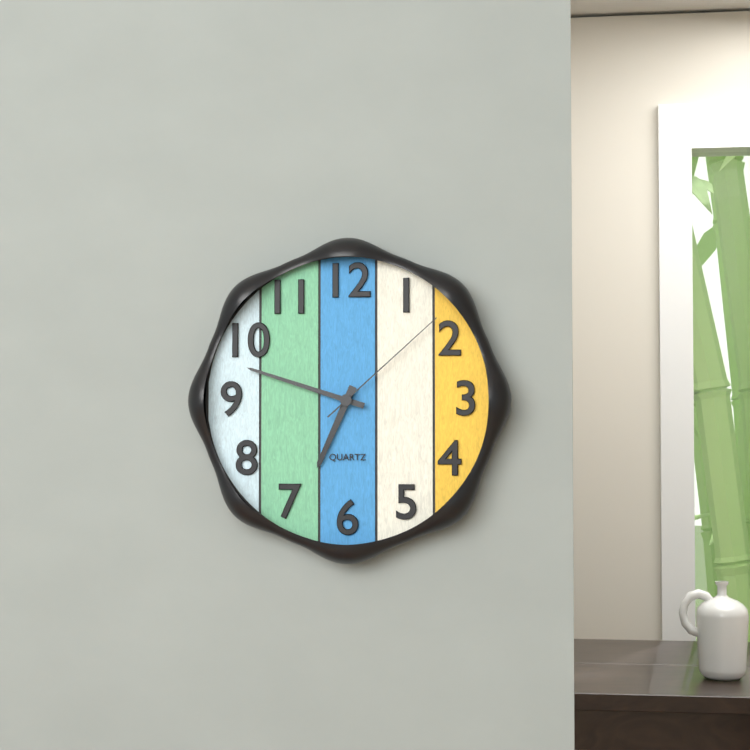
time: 6:48:08
